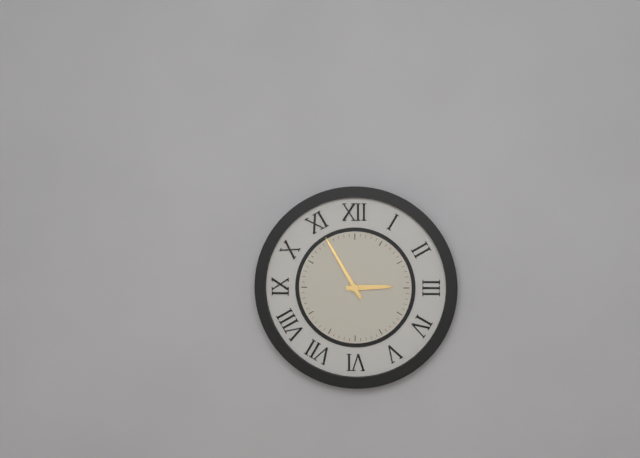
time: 2:55
